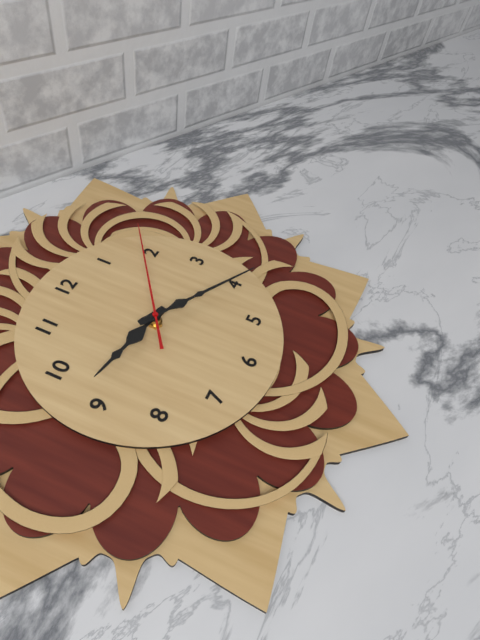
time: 9:20:09
